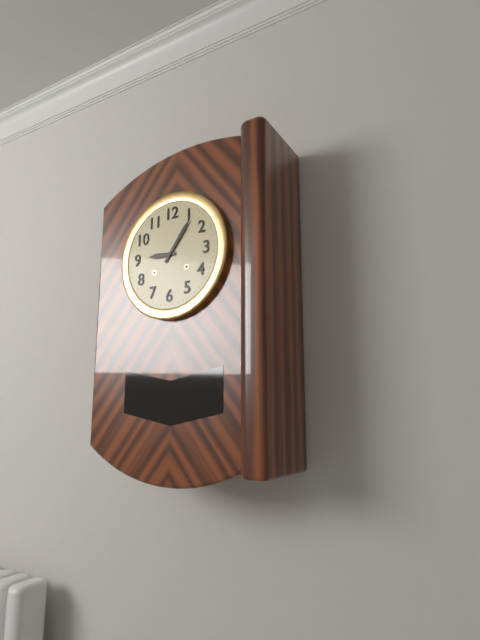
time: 9:06
